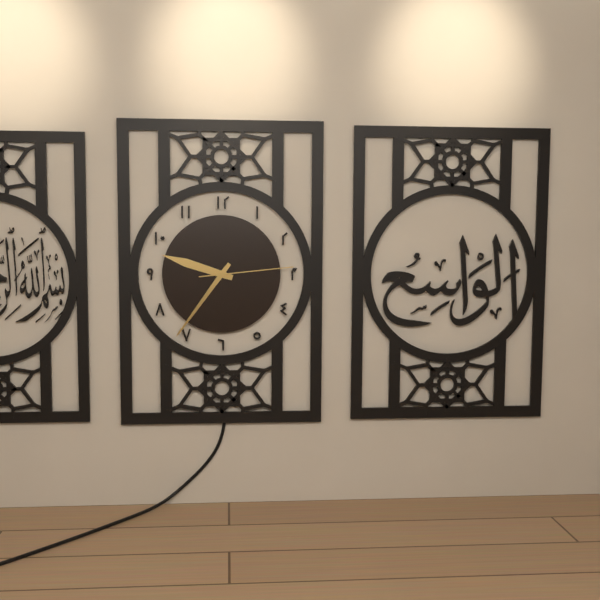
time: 9:36:14
